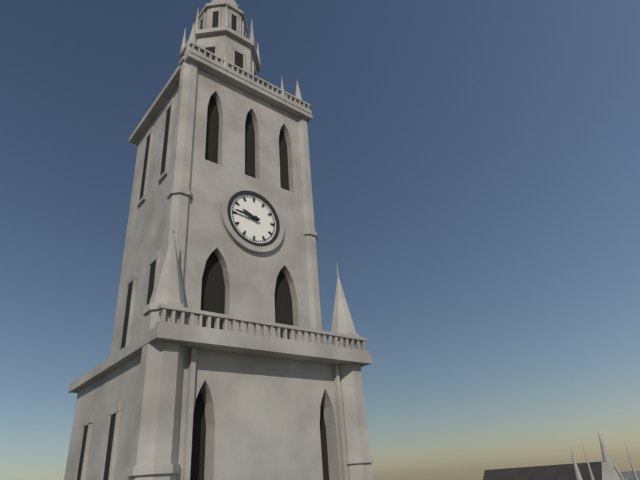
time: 9:46
